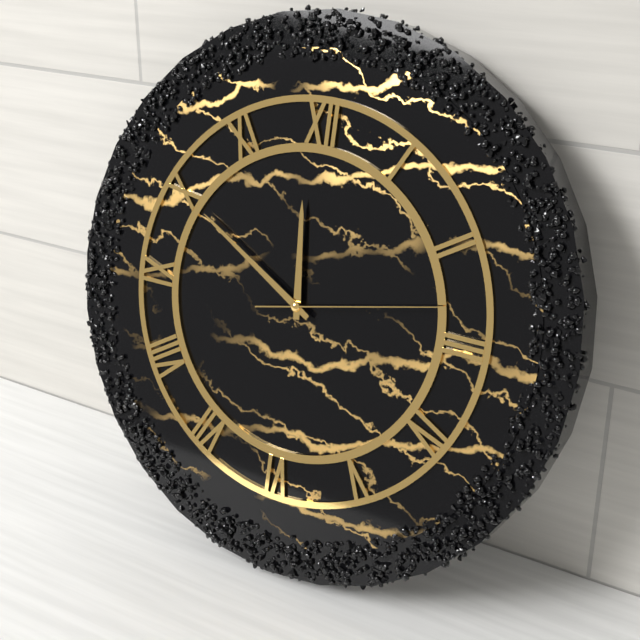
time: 11:50:13
